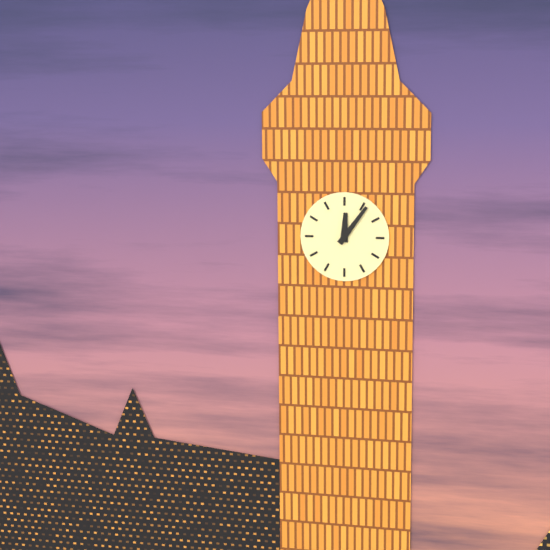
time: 12:06
